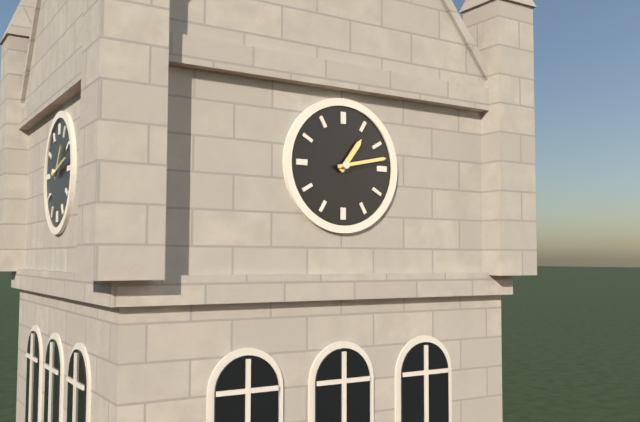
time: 1:13
